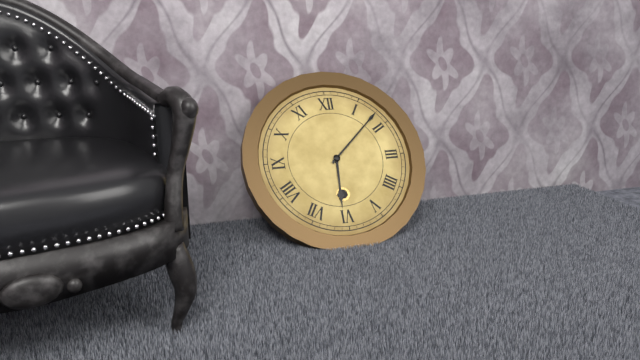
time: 6:08
